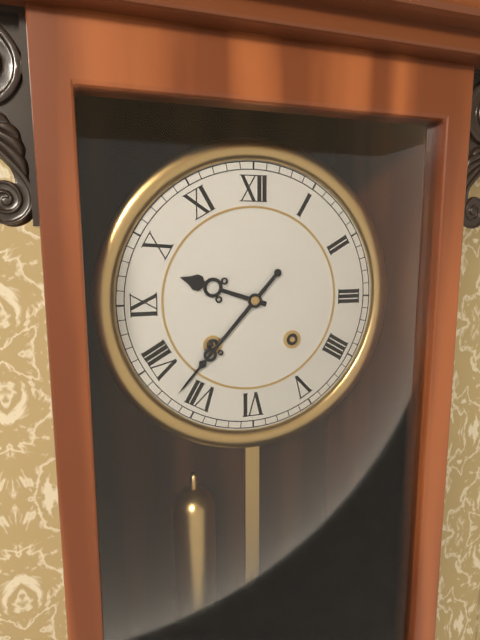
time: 9:37
